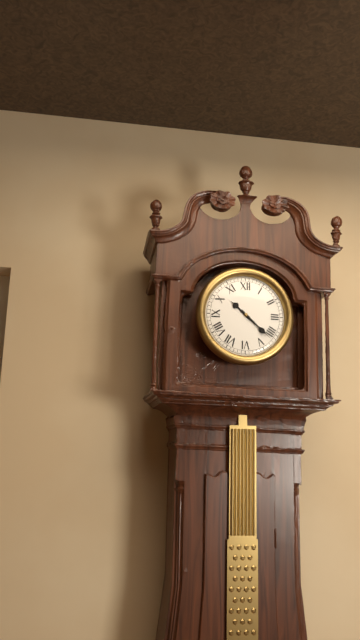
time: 10:22
